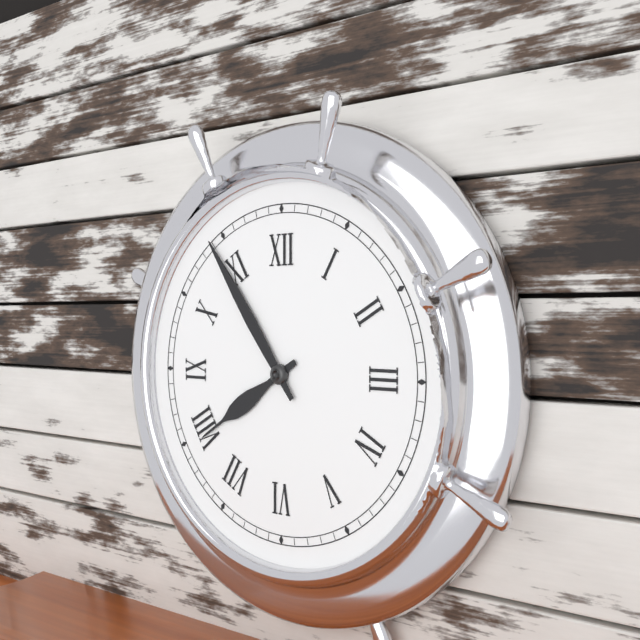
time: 7:54
